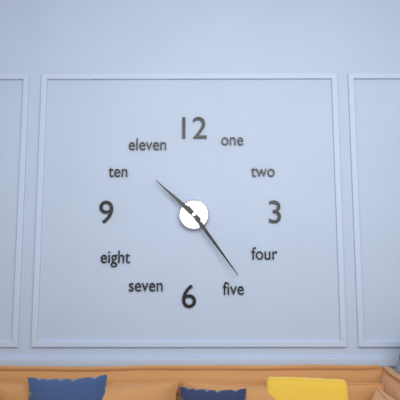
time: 10:24
